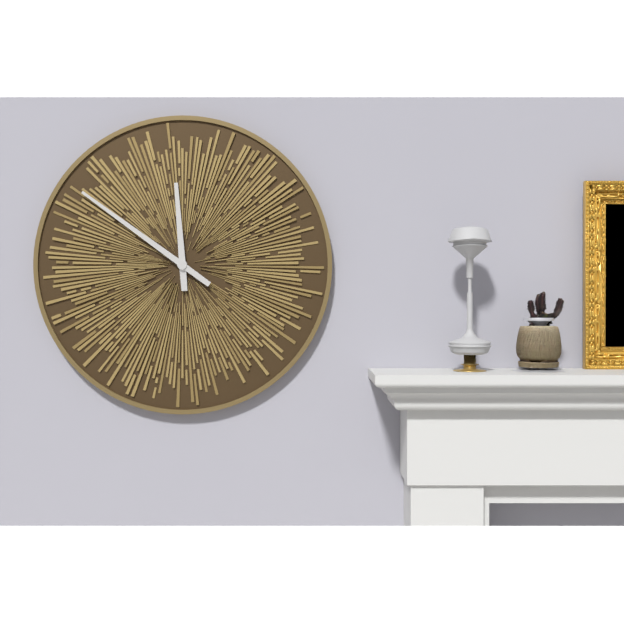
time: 11:51
